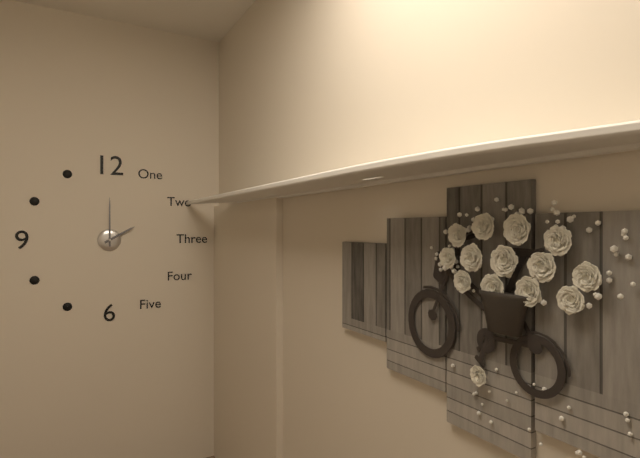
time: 2:00
